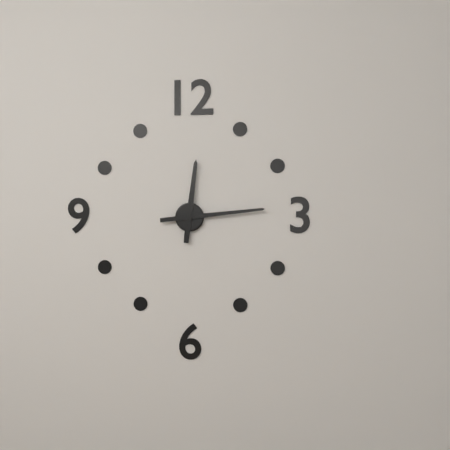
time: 12:14
